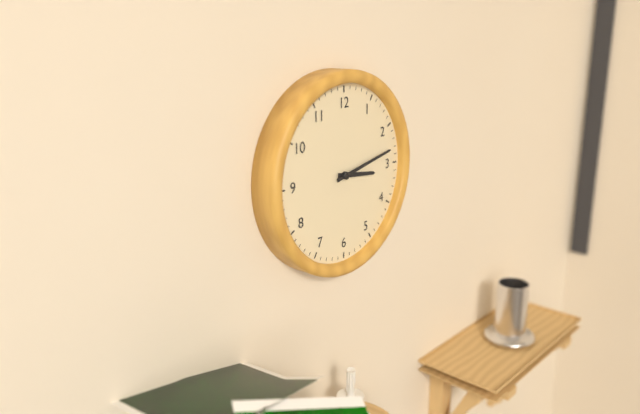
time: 3:13
